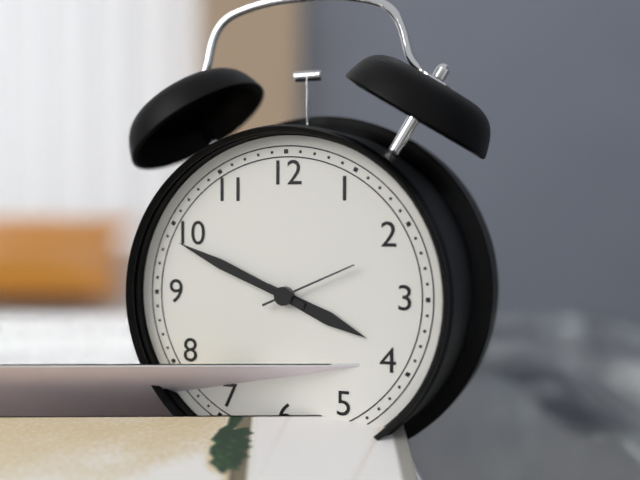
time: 3:49:11
